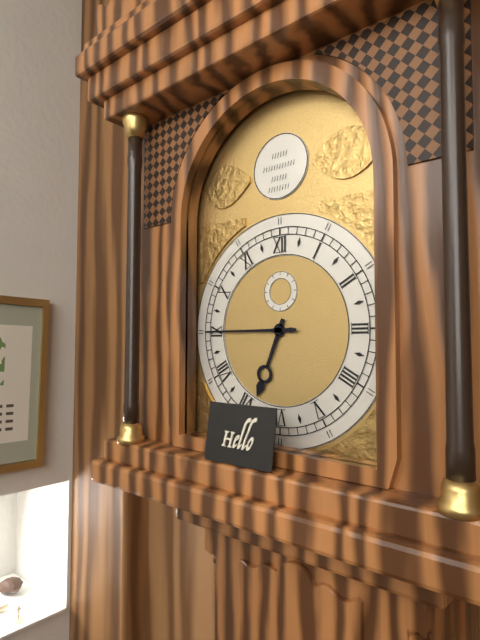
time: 6:45
